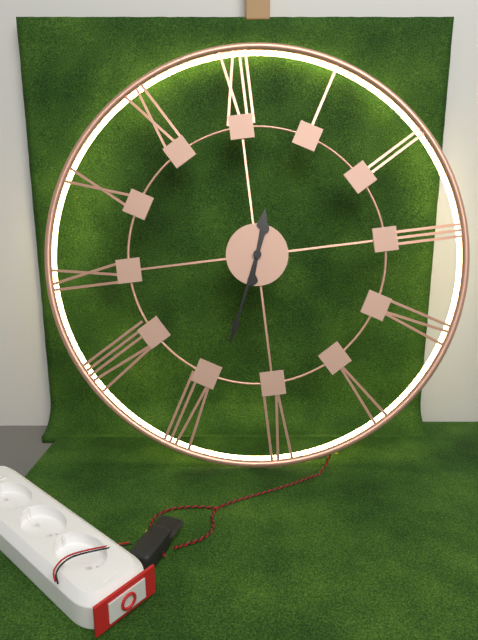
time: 12:34
